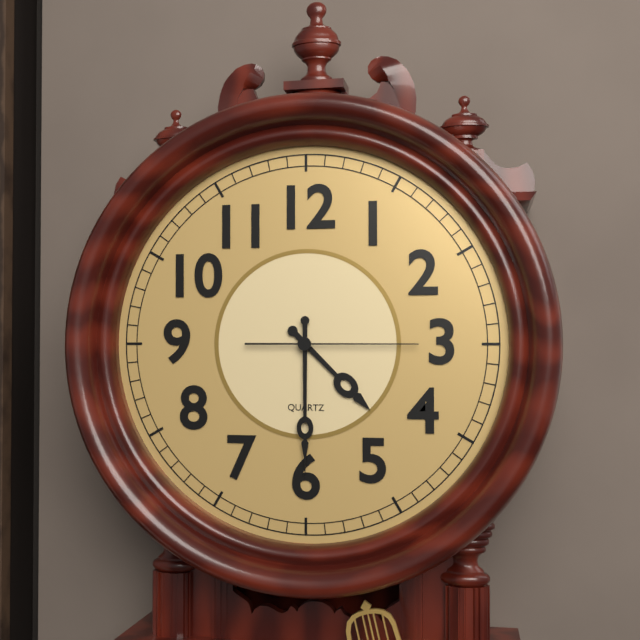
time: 4:30:15
